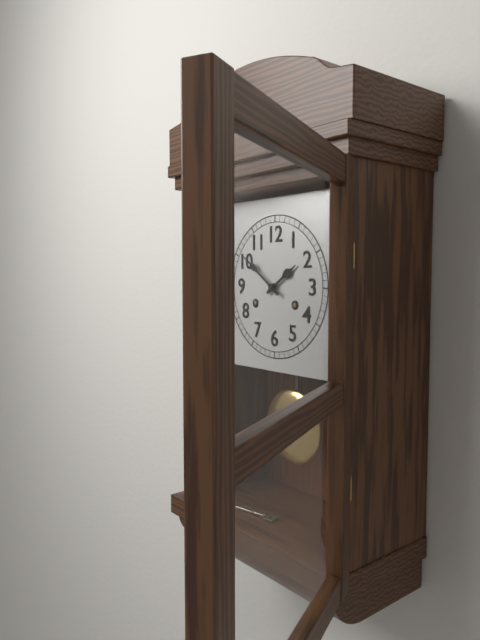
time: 1:51
